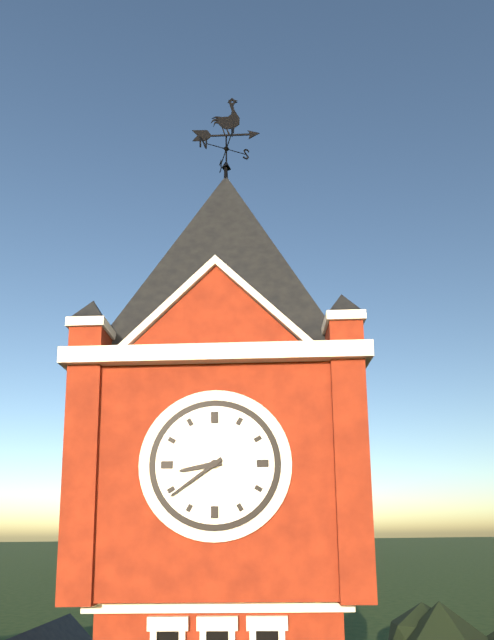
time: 8:39
